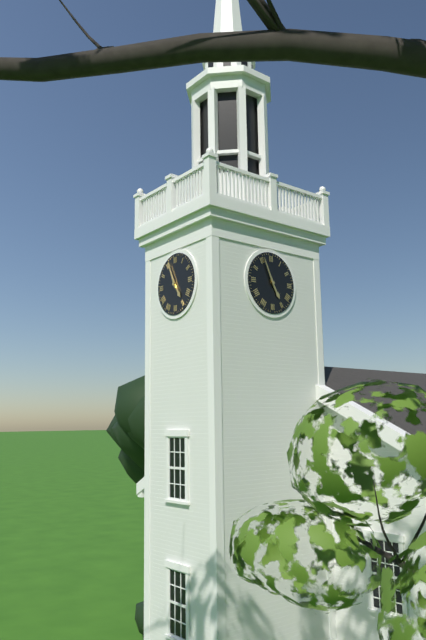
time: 4:56
